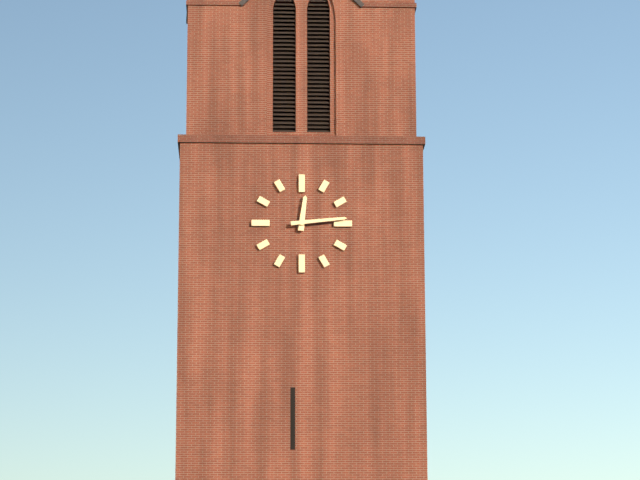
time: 12:14
